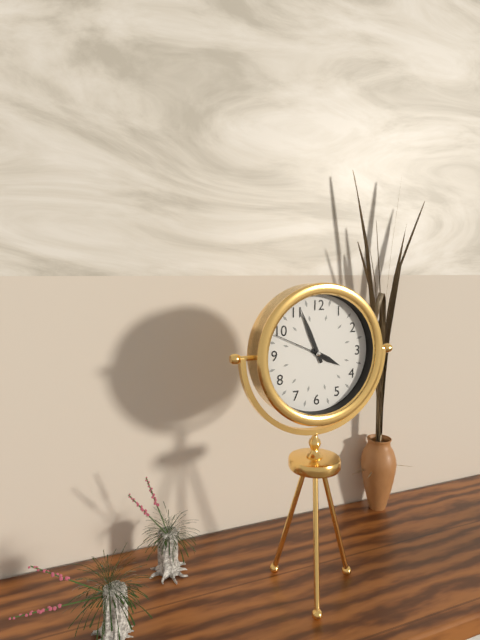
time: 3:56:49
